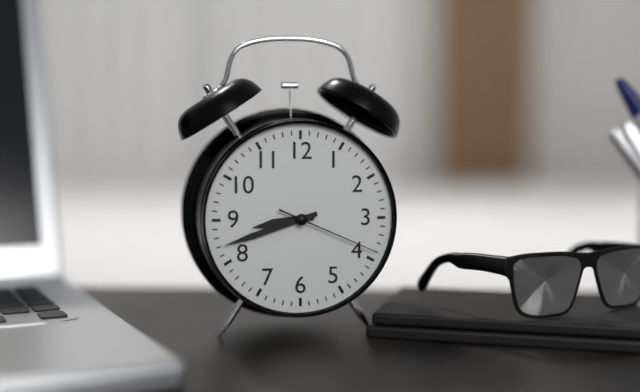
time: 8:42:19
